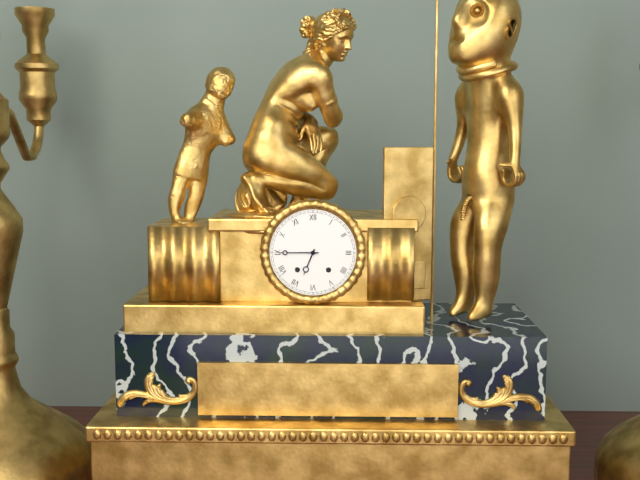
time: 6:45
